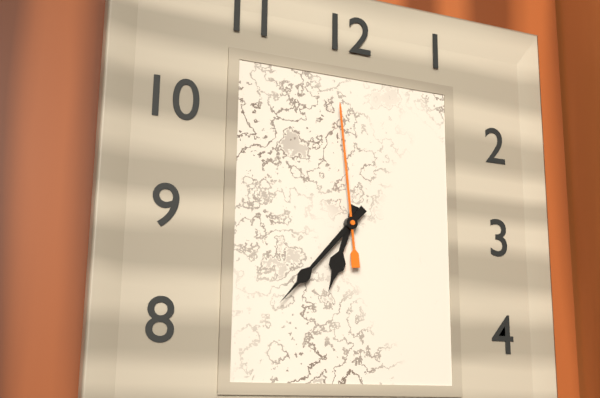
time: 6:37:59
